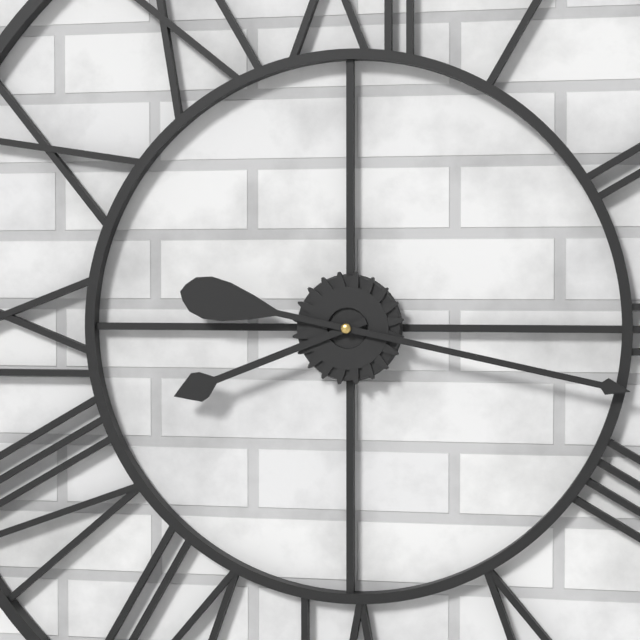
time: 8:17
